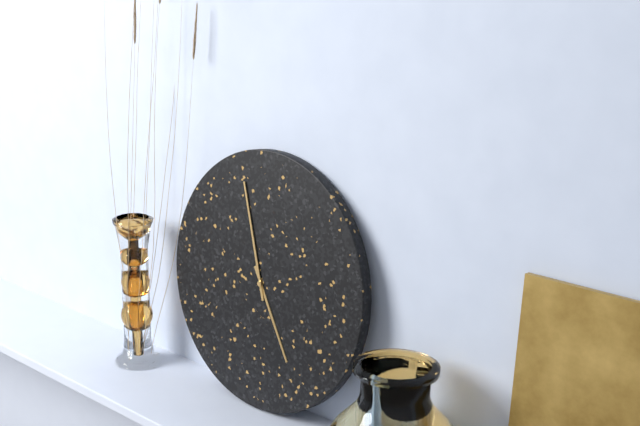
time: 4:57
